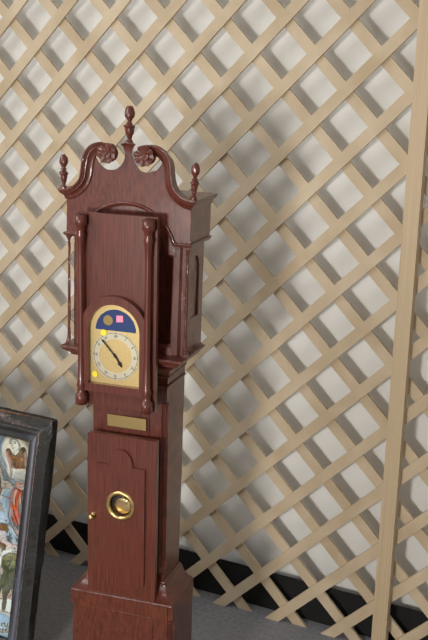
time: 4:53
